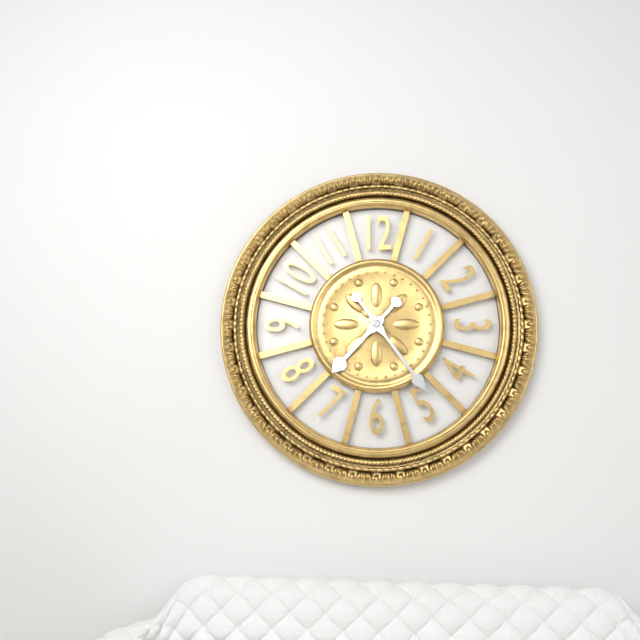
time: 7:24
